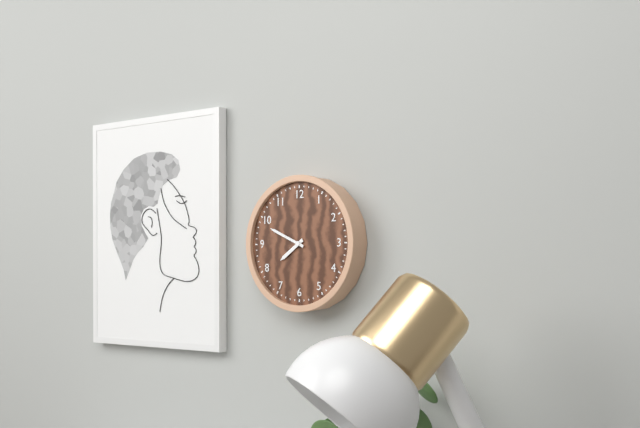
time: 7:49
